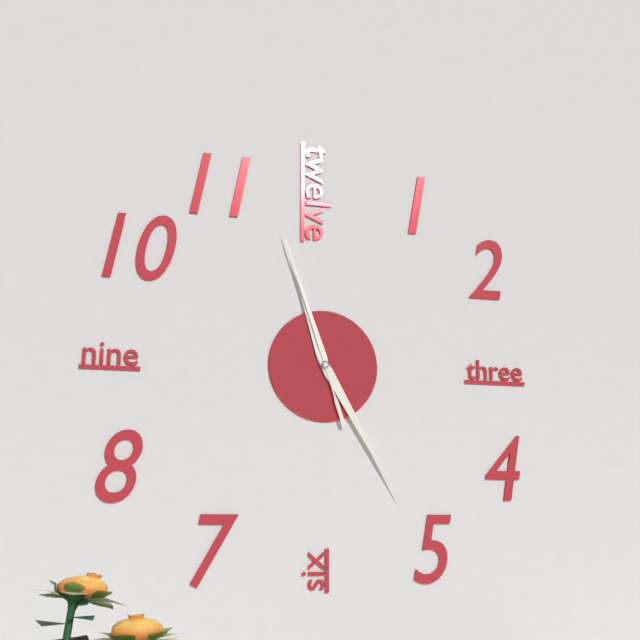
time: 11:25:57
